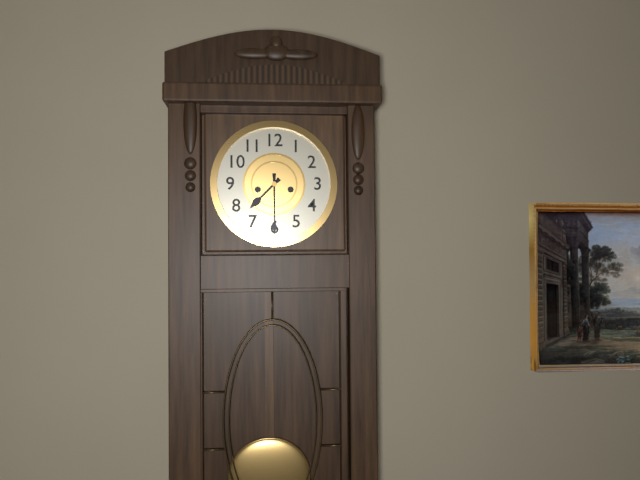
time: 7:30
